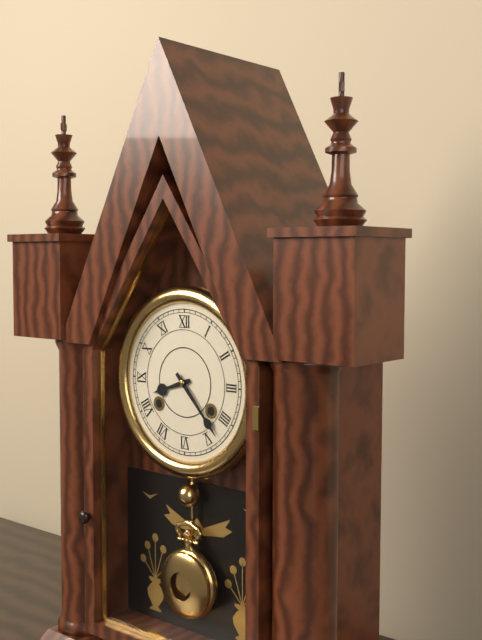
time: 8:23
